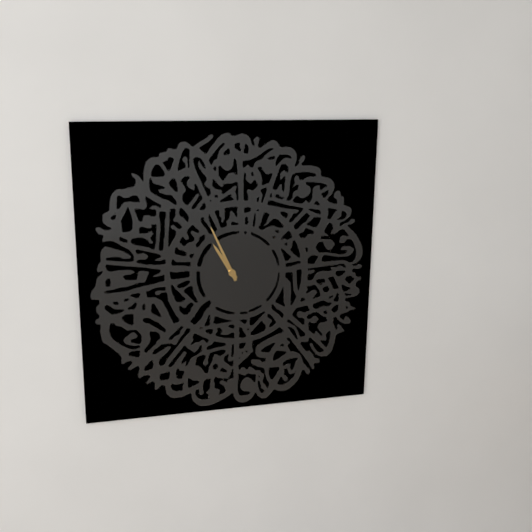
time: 10:56
